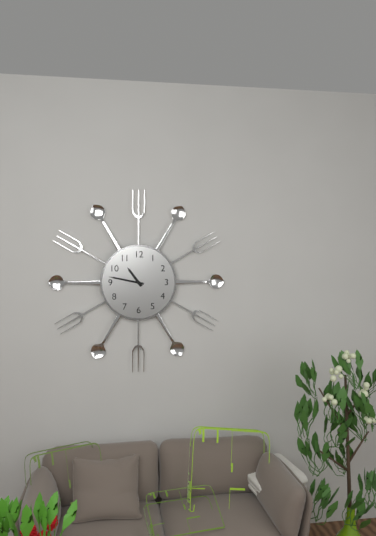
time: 10:47
